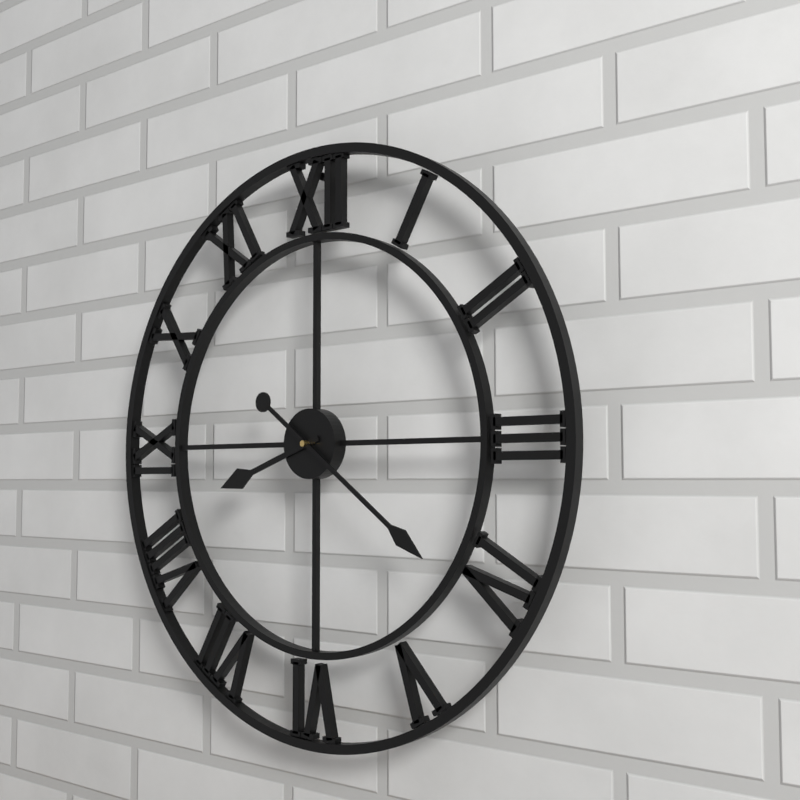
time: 8:21
